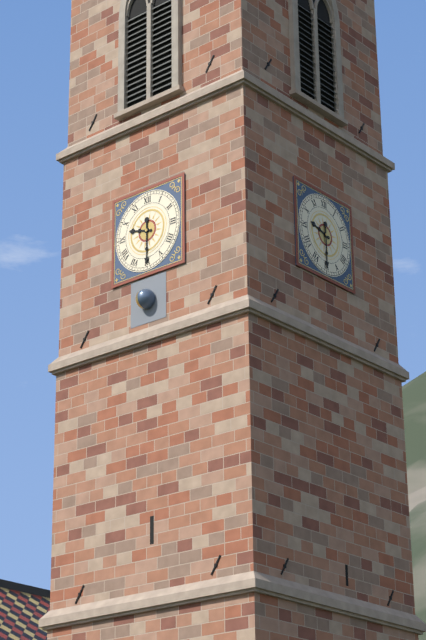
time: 9:30
